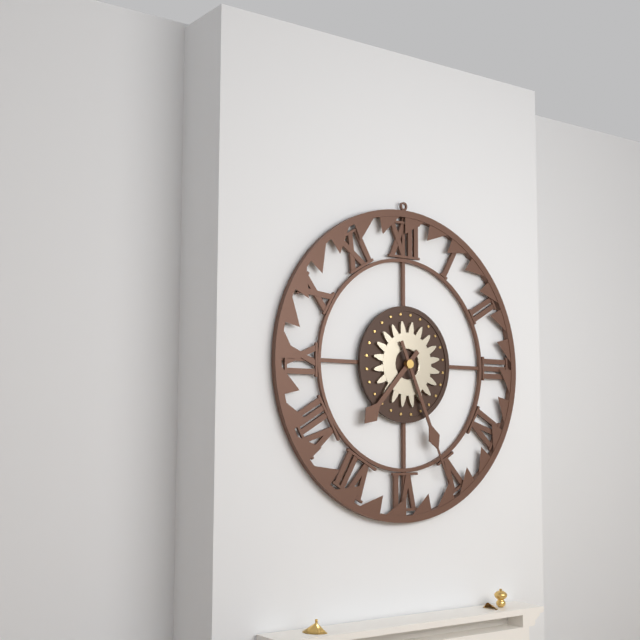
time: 7:26
